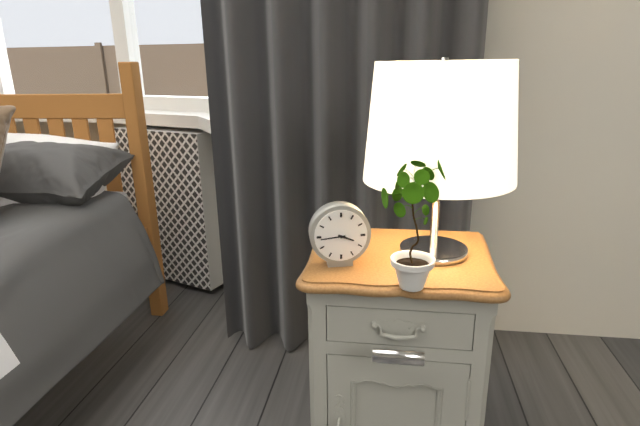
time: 3:44
